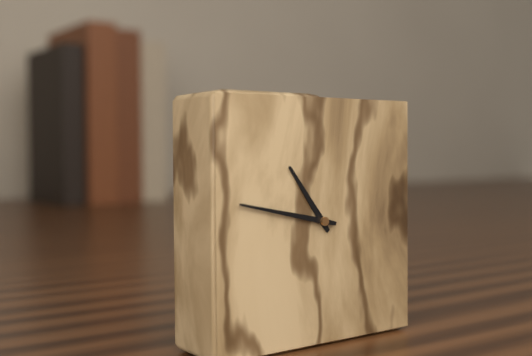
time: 10:47
